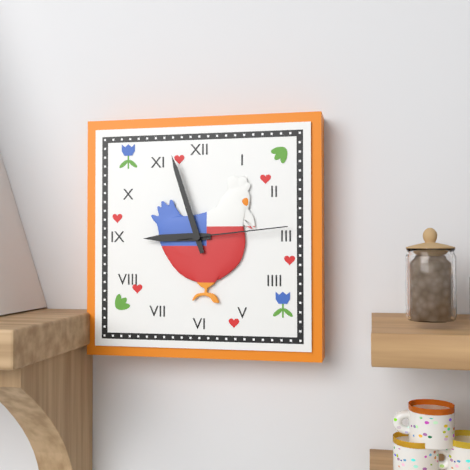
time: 8:57:14
